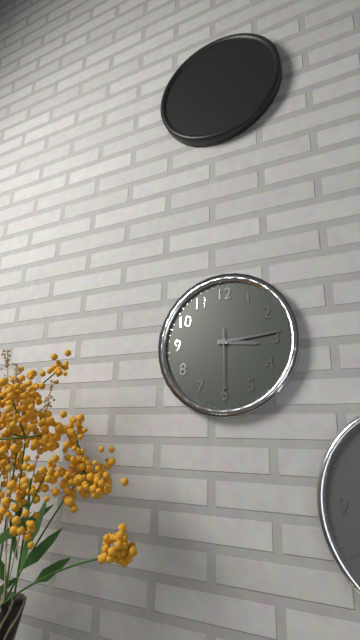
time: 3:14:30
